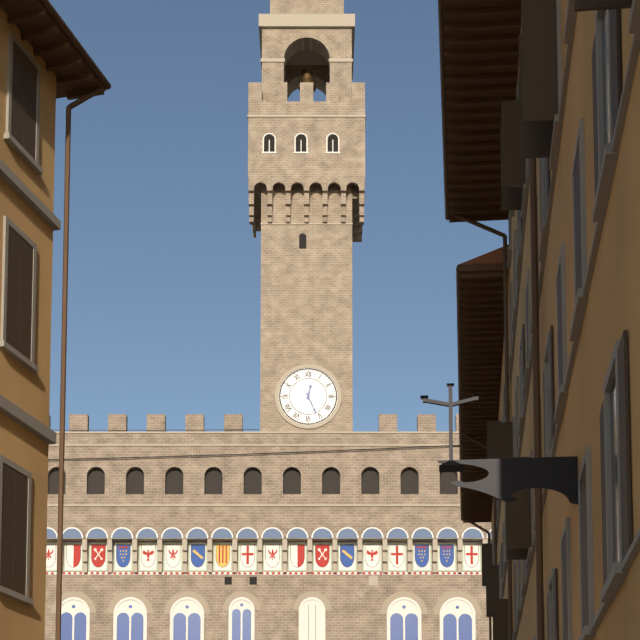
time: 12:26
